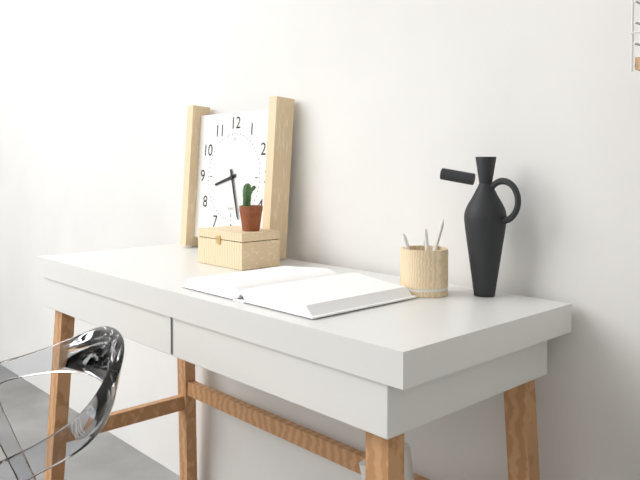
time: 8:27
